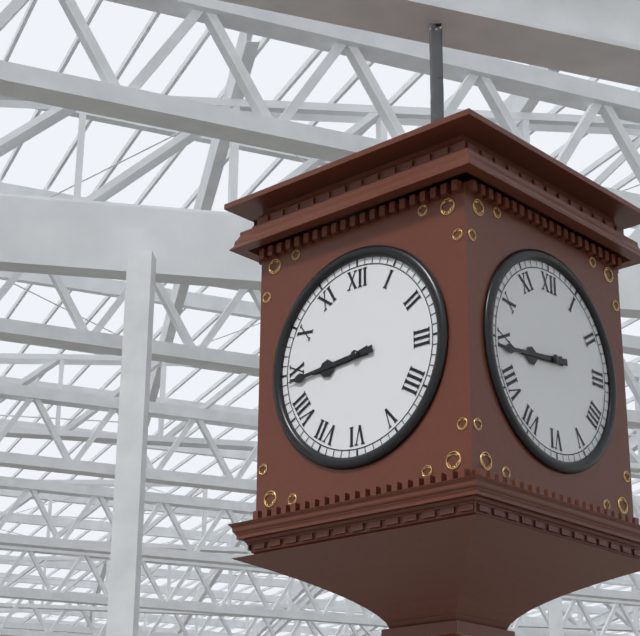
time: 8:44
